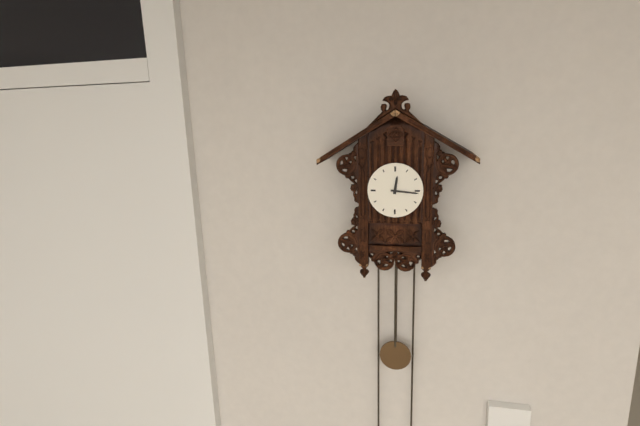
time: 12:16
